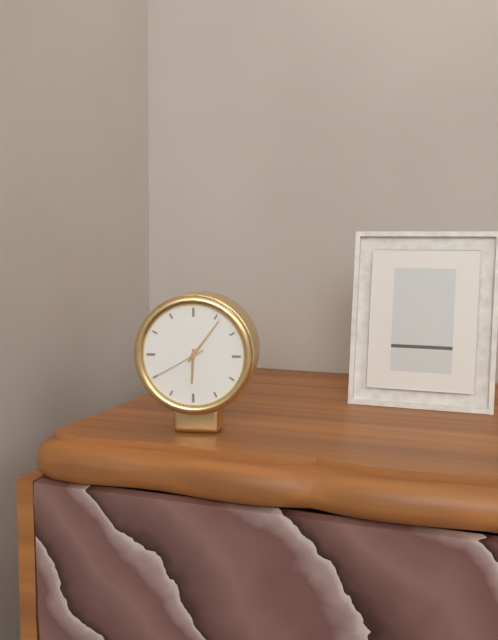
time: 6:06:40
